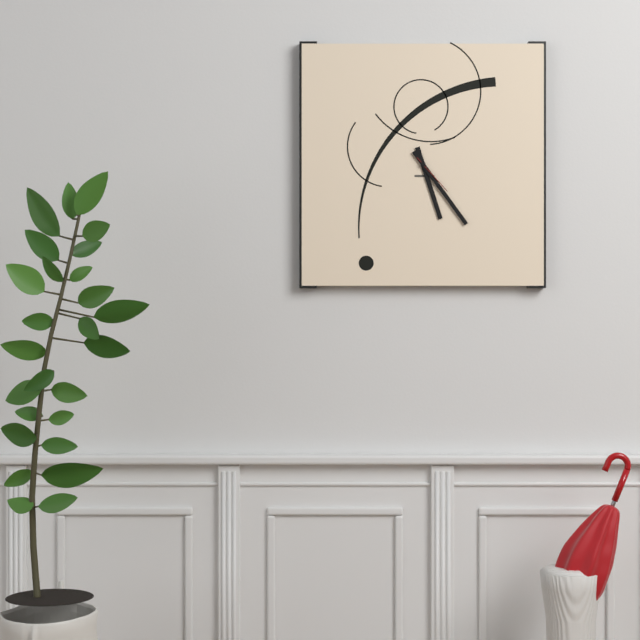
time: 5:24
